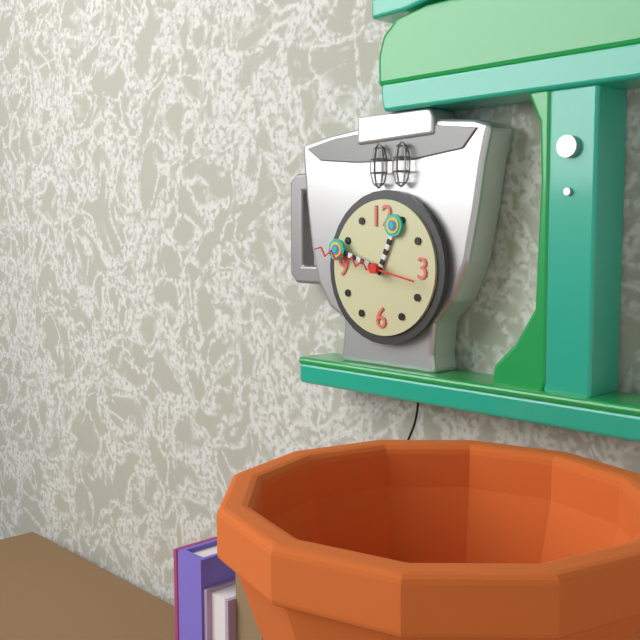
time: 12:48:47
